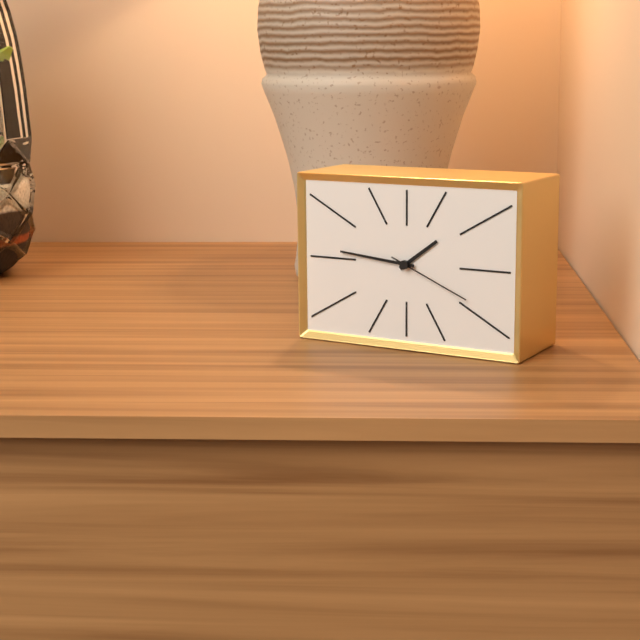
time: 1:46:19
